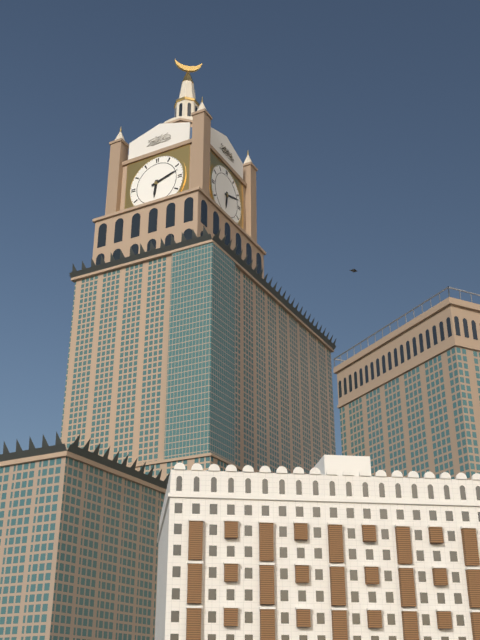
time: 6:12
